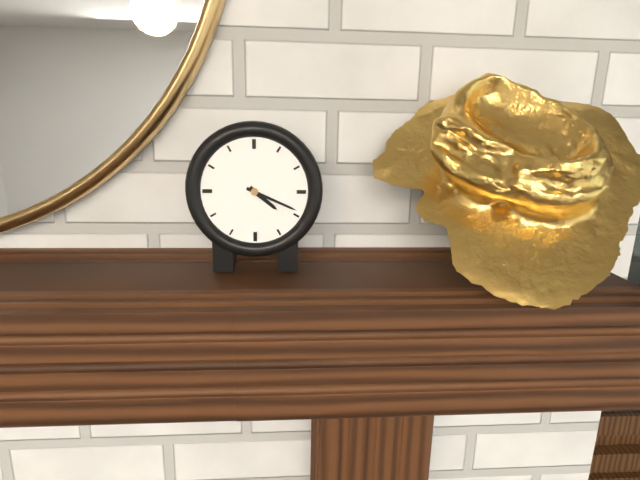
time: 4:19
